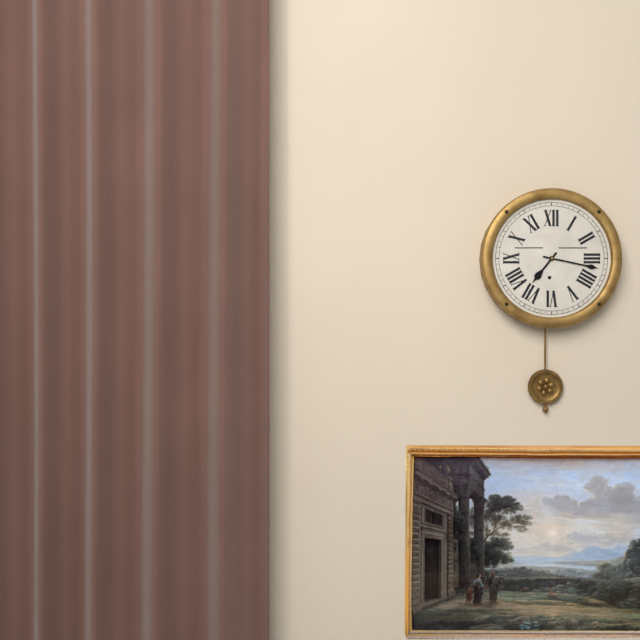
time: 7:17
